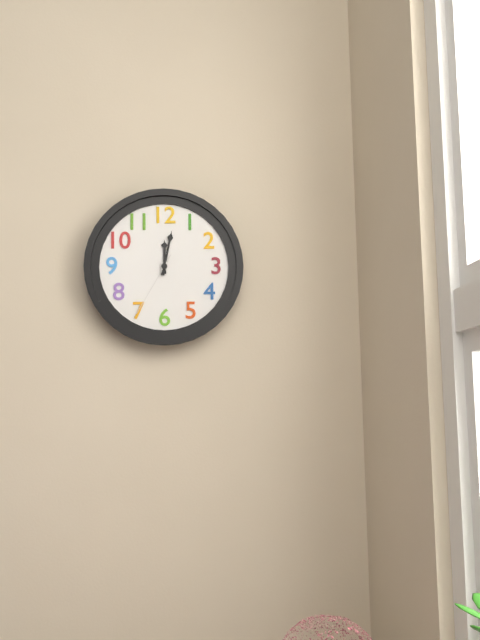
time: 12:02:35
